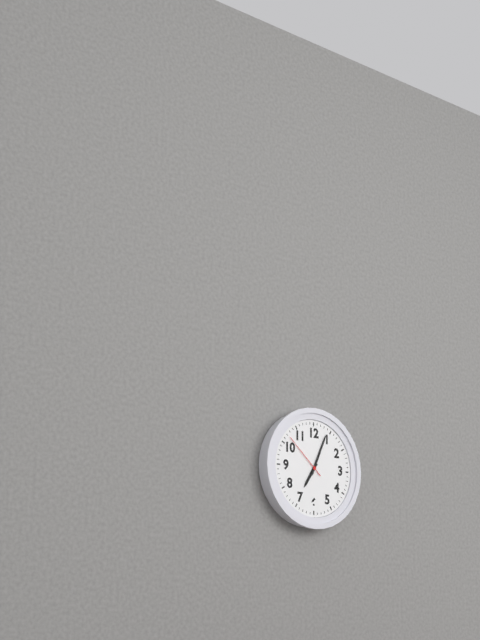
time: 7:04
